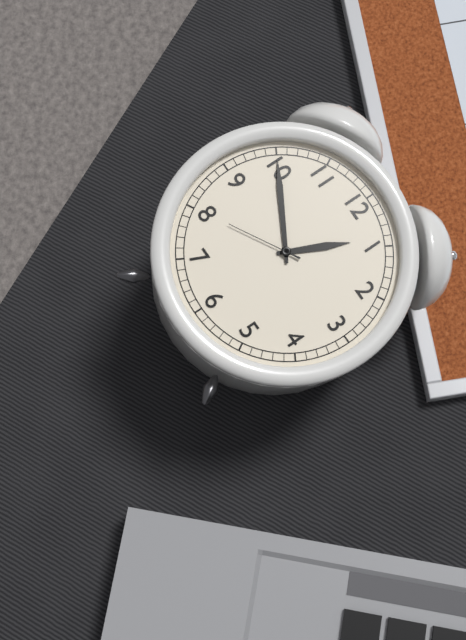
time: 12:50:40
